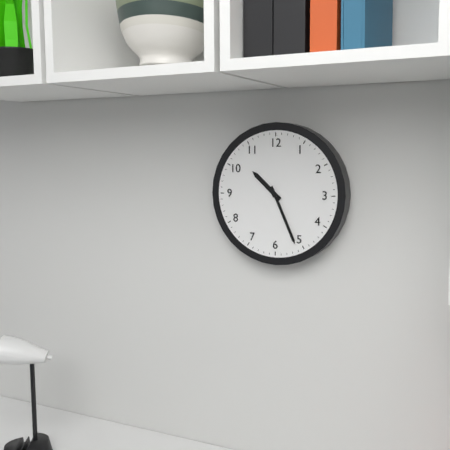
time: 10:26
